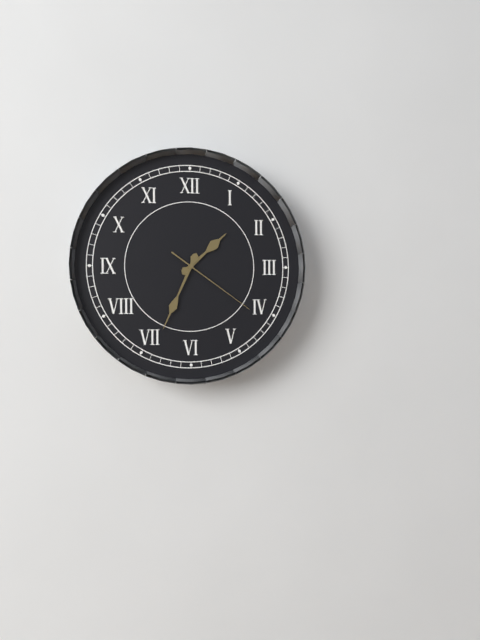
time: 1:34:21
